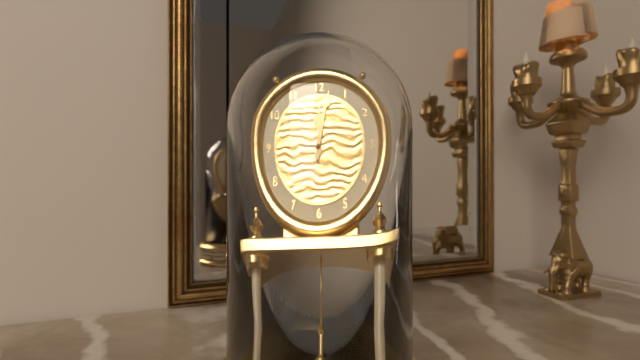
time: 12:02
